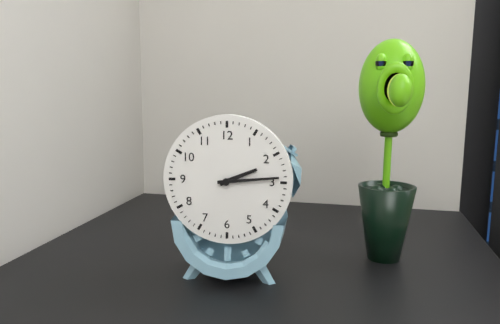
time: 2:14
